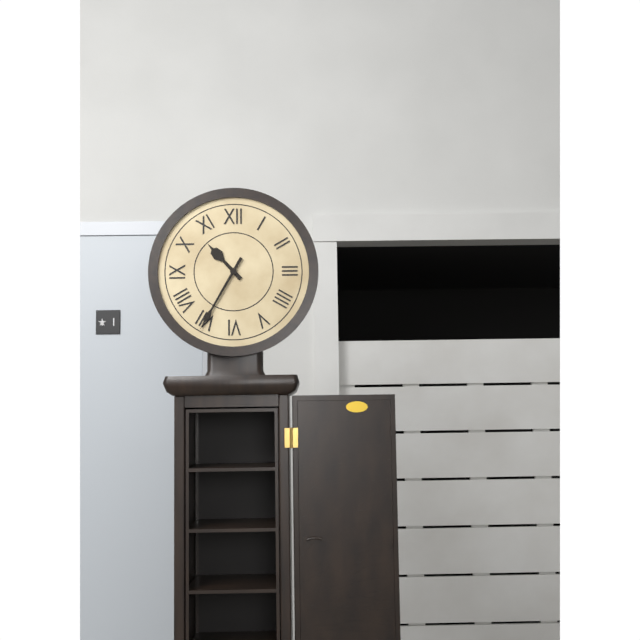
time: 10:35
